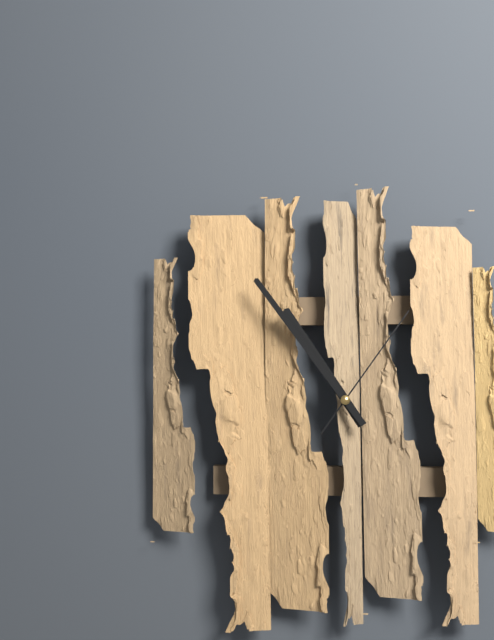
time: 10:54:06
